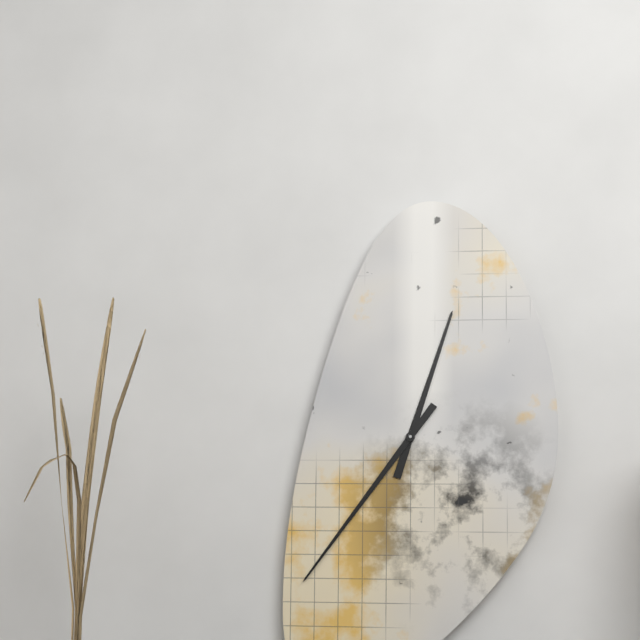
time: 12:36
